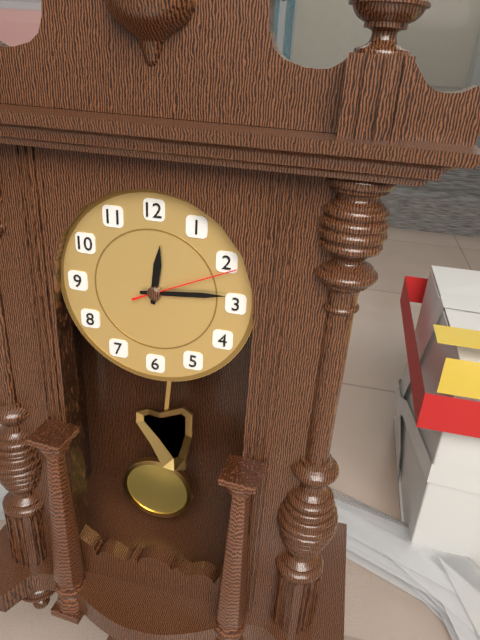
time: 12:14:11
